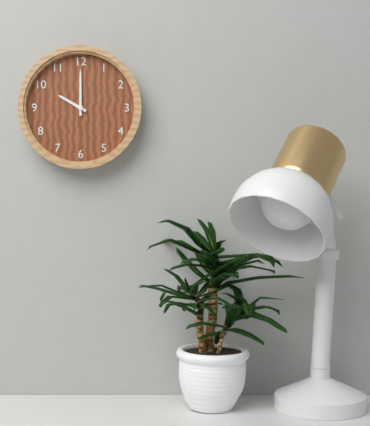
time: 10:00
